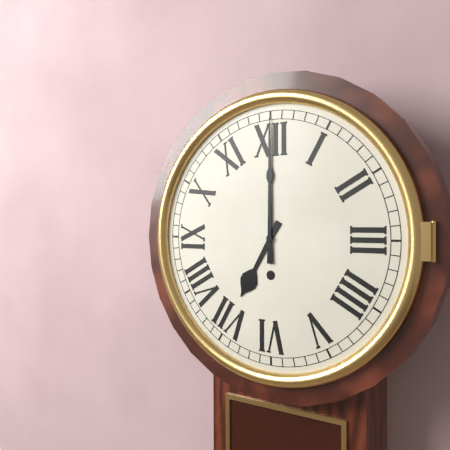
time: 7:00
